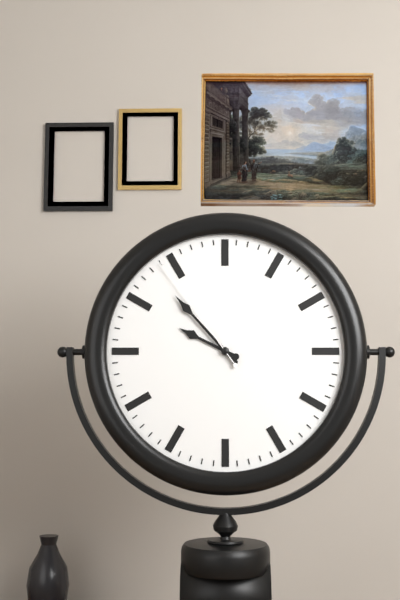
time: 9:53:54
